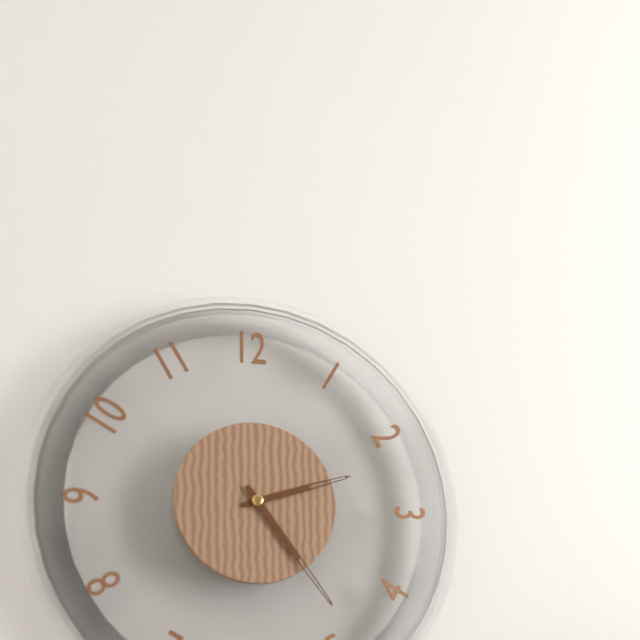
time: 2:24
